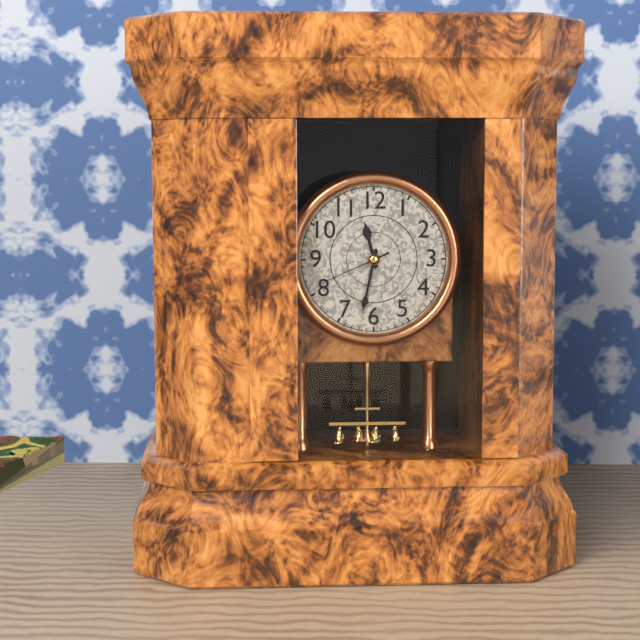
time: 11:32:41
